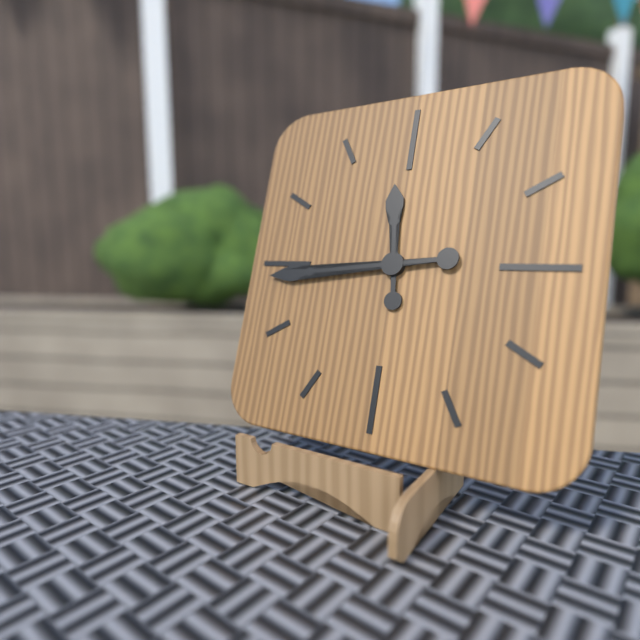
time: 11:44
